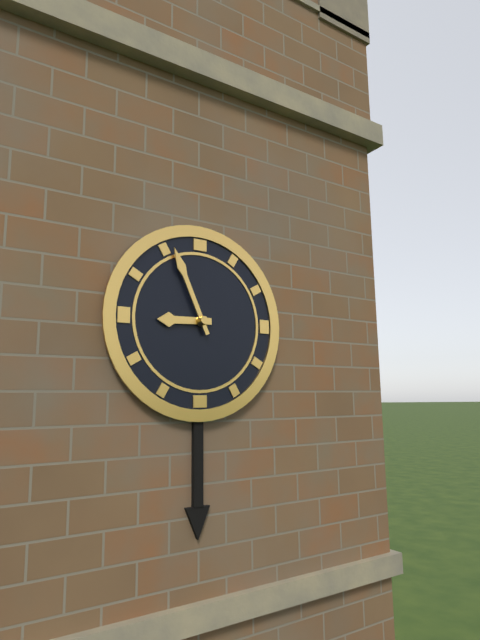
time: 8:56
